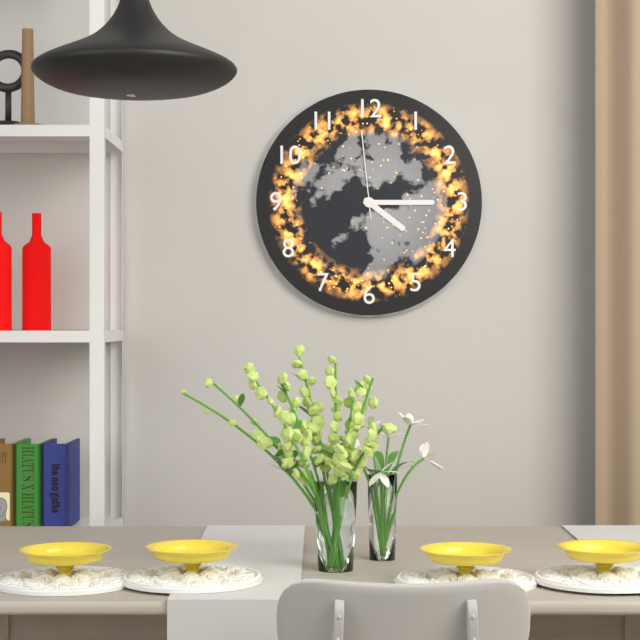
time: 4:15:59
